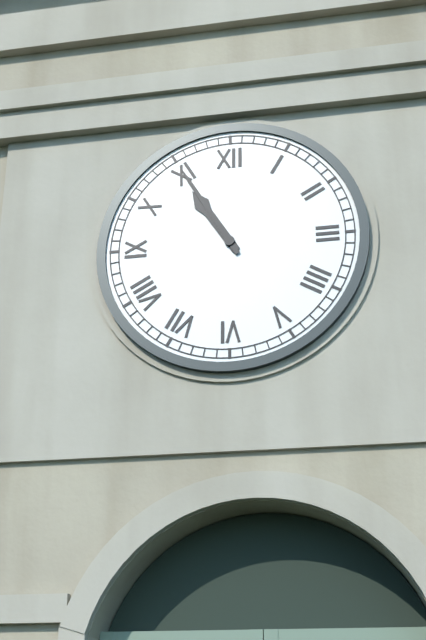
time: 10:55
